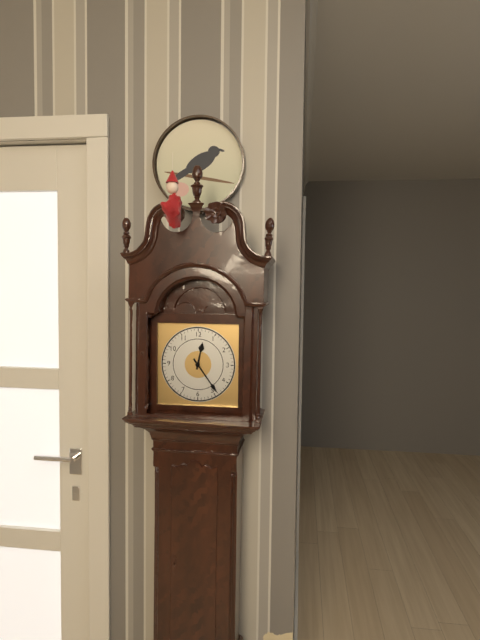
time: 12:24
